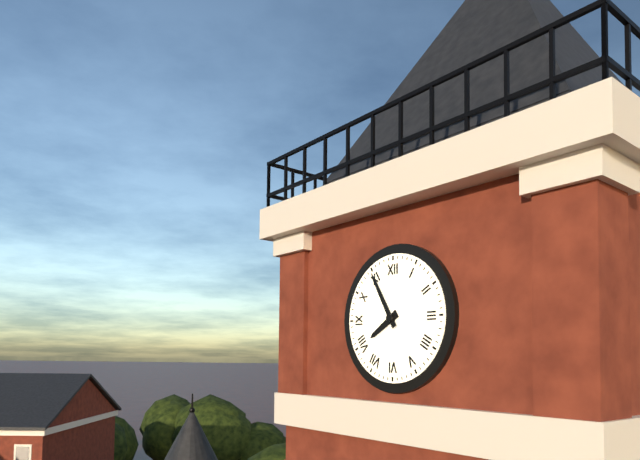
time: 7:55
